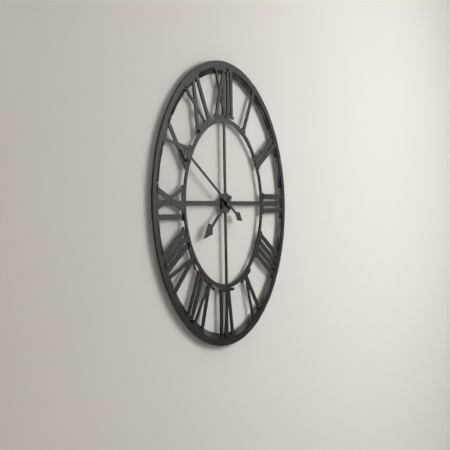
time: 7:50
